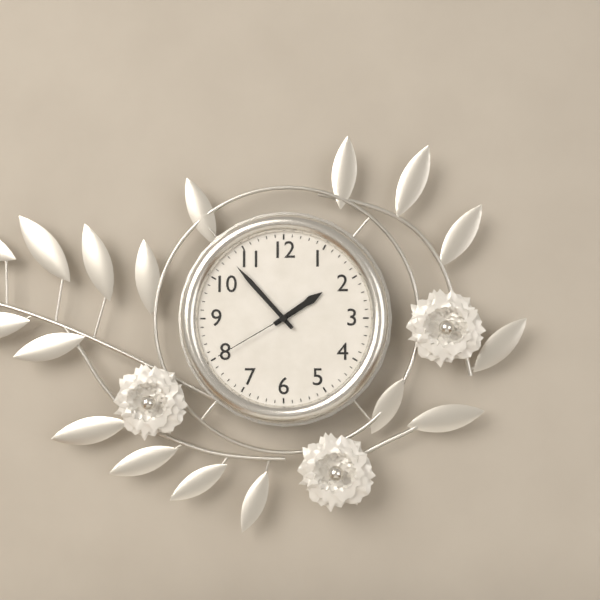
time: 1:53:40
